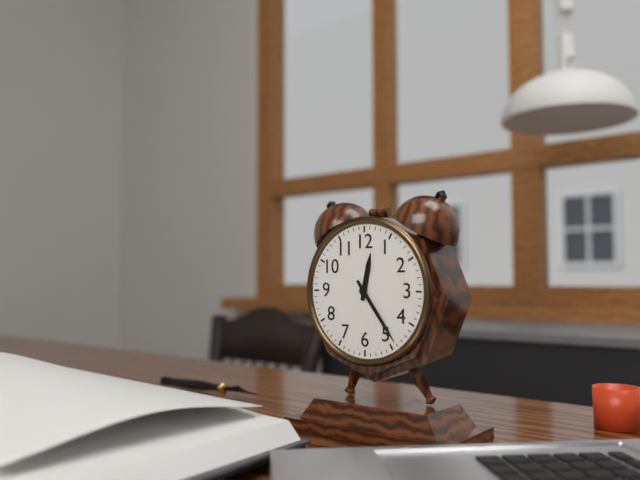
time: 12:24
